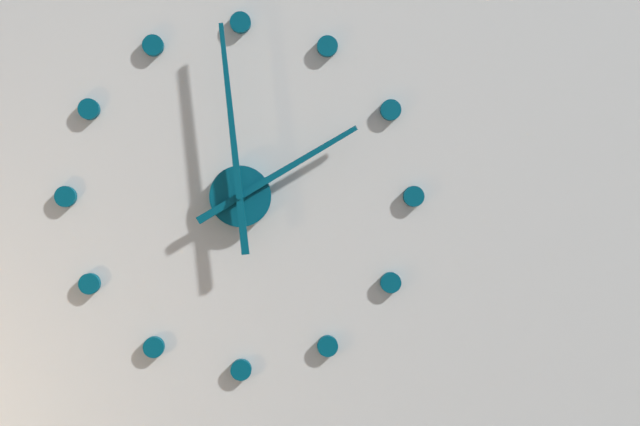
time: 1:59
